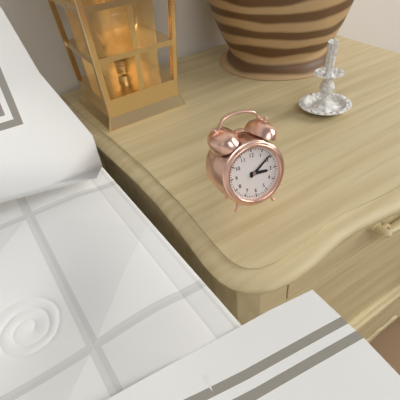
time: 3:09
